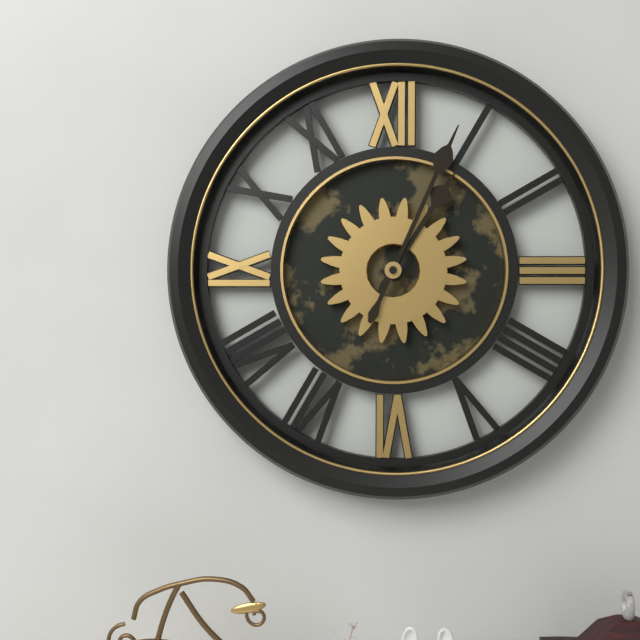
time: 1:04
